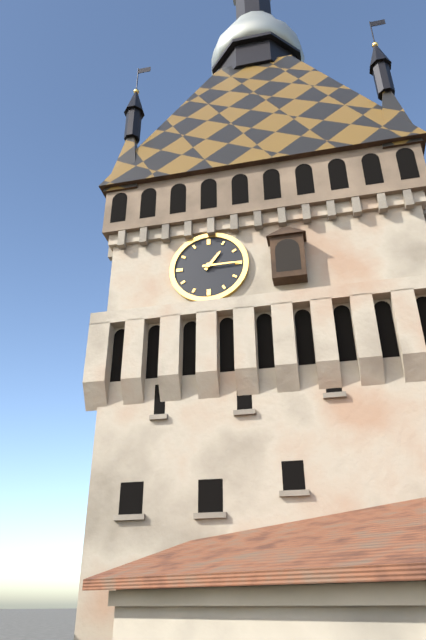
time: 1:15
